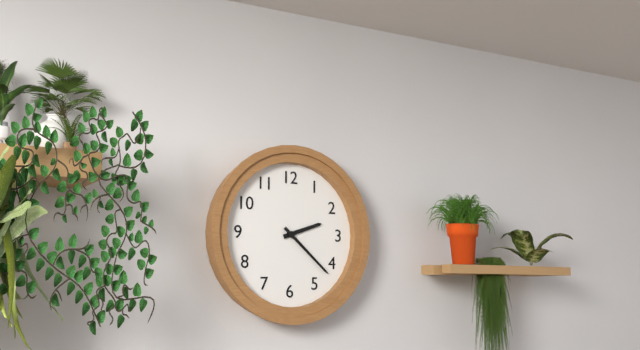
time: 2:22
